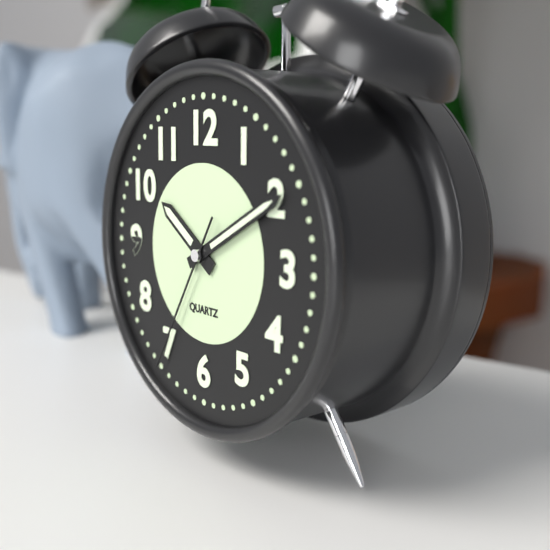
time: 10:10:35
